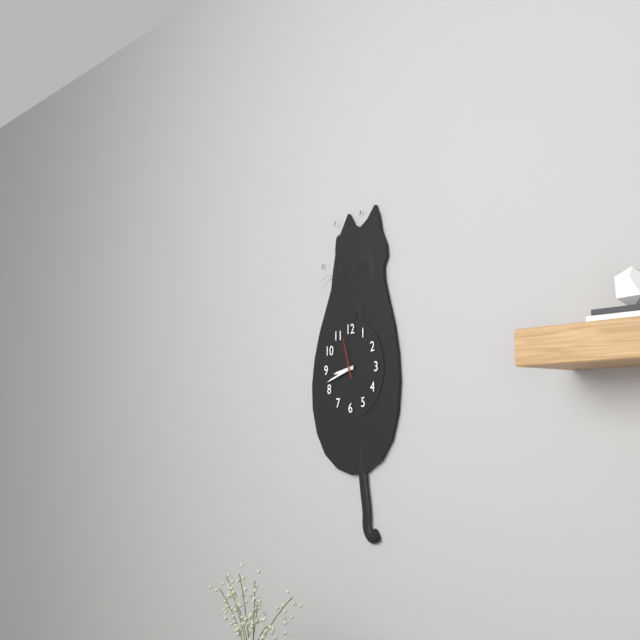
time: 8:42
